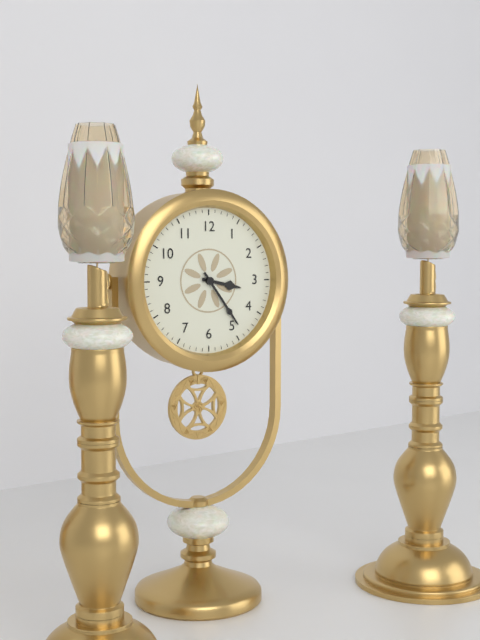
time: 3:24
